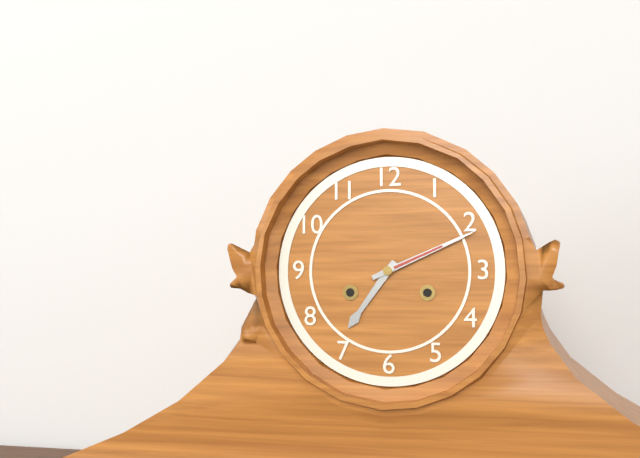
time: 7:11
